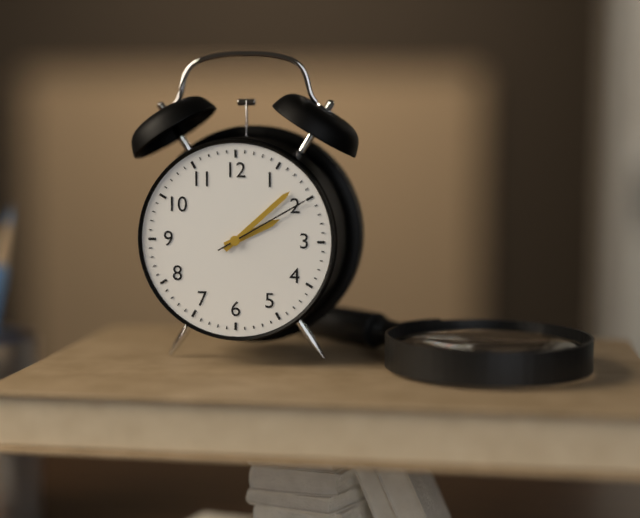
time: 2:08:10
